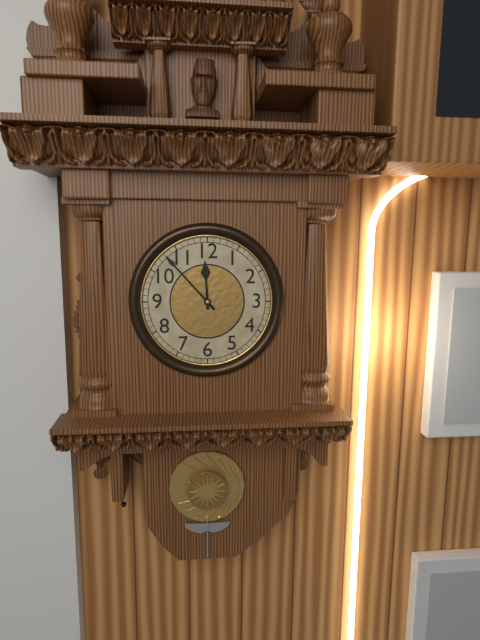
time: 11:53
